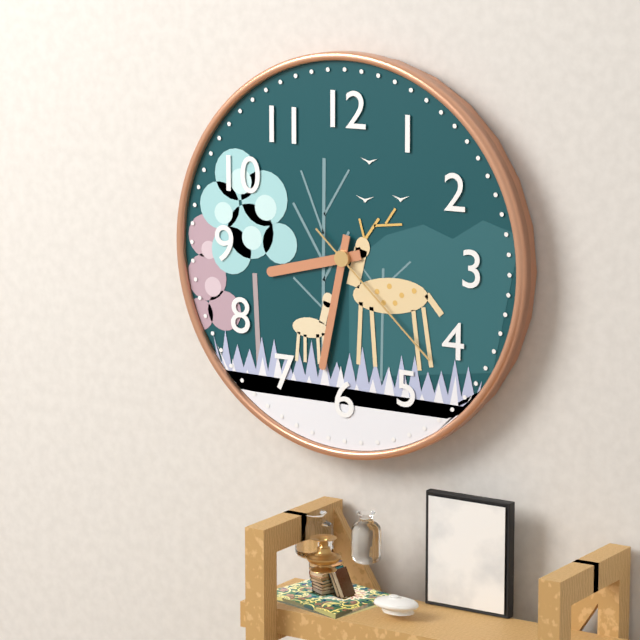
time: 8:32:22
